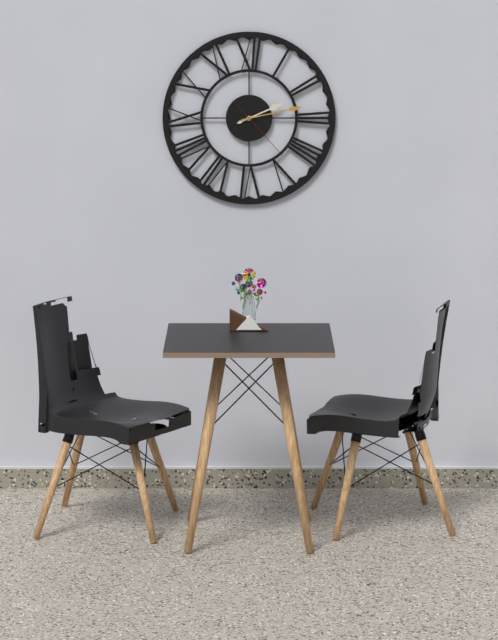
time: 2:13:23
